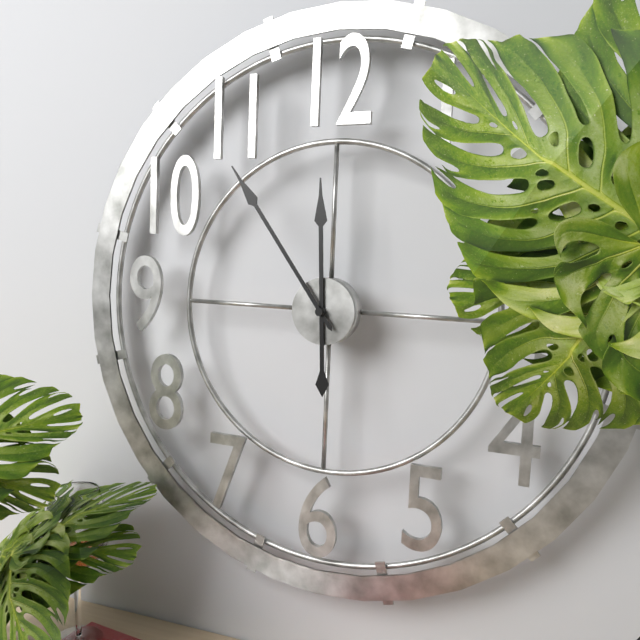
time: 11:54
